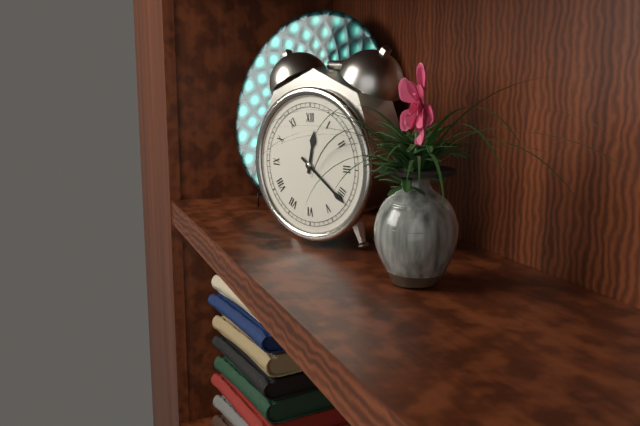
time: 12:21
